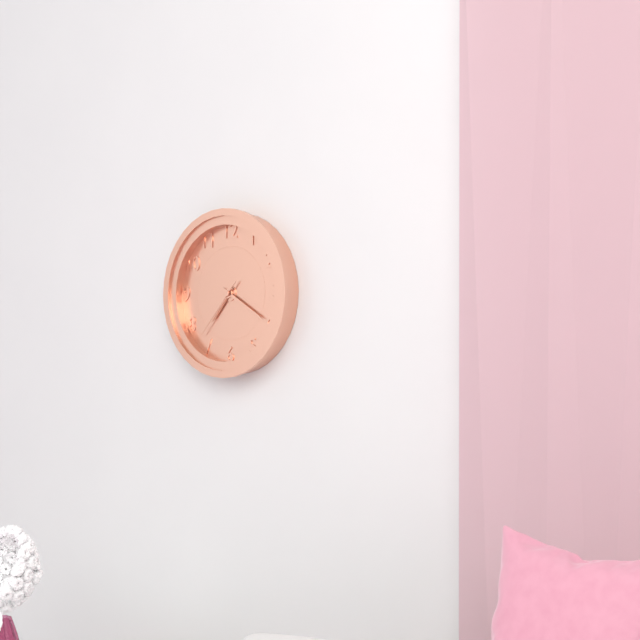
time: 7:20:37
